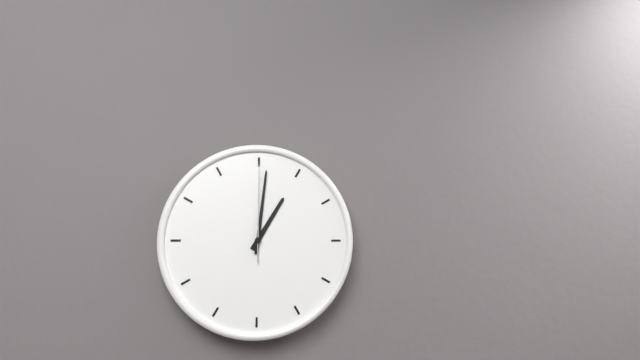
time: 1:01:00
